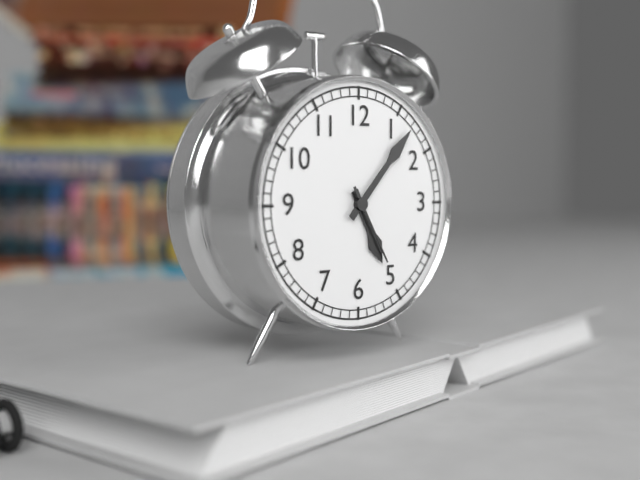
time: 5:07:25
